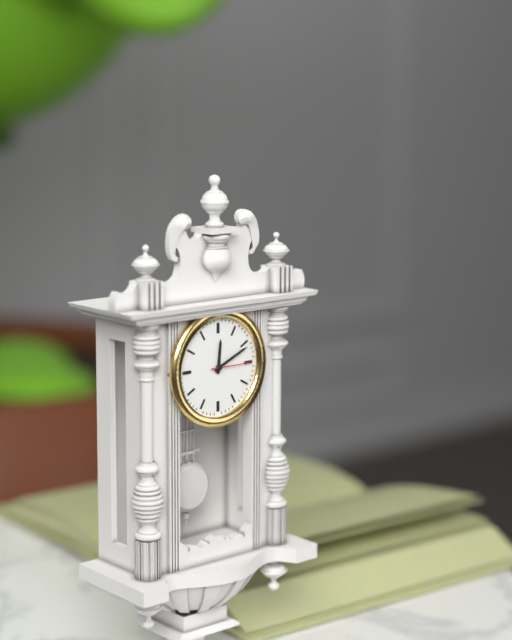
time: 12:11
